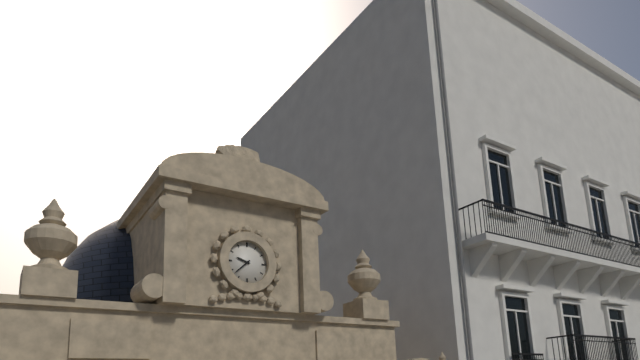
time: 9:38
